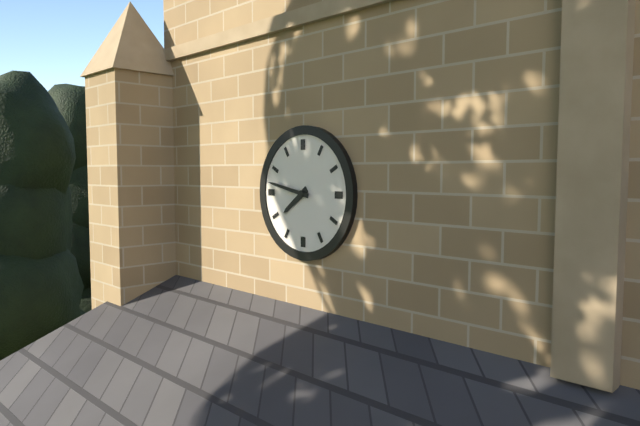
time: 7:47
